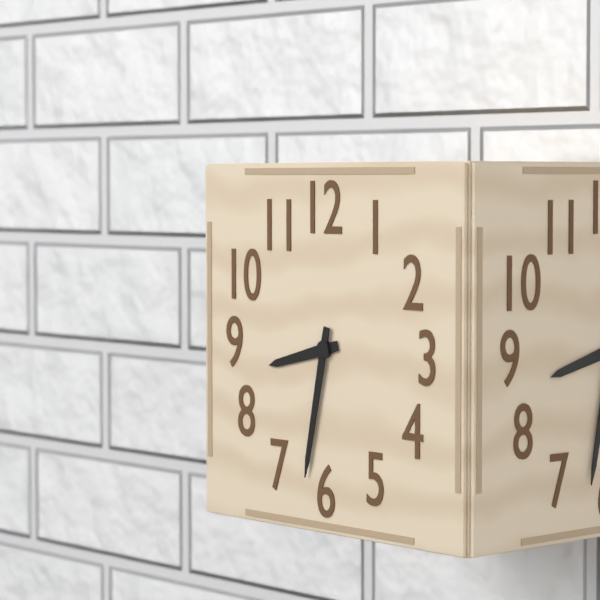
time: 8:32
